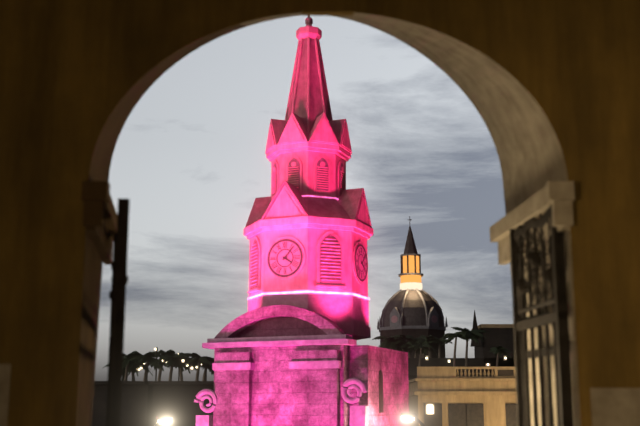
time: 4:07
